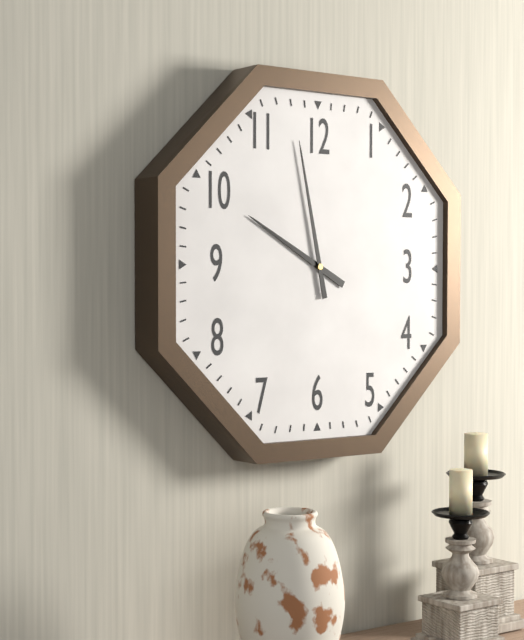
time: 9:58
